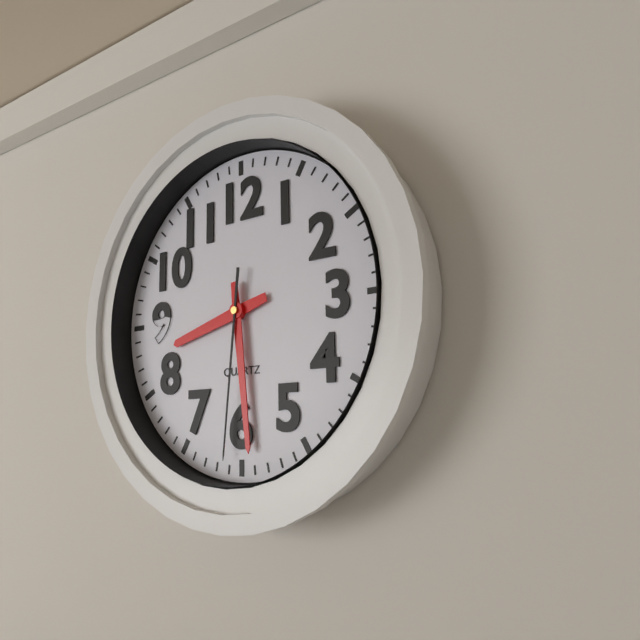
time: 8:29:31
